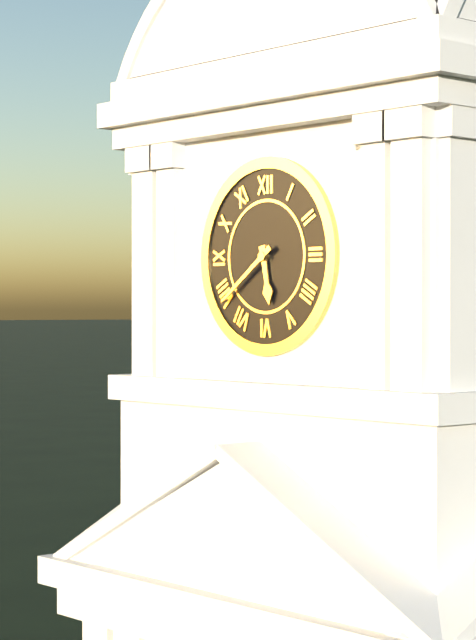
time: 5:39
